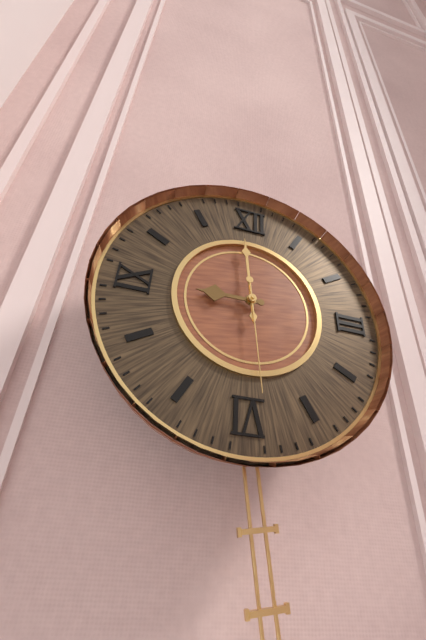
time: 8:59:29
